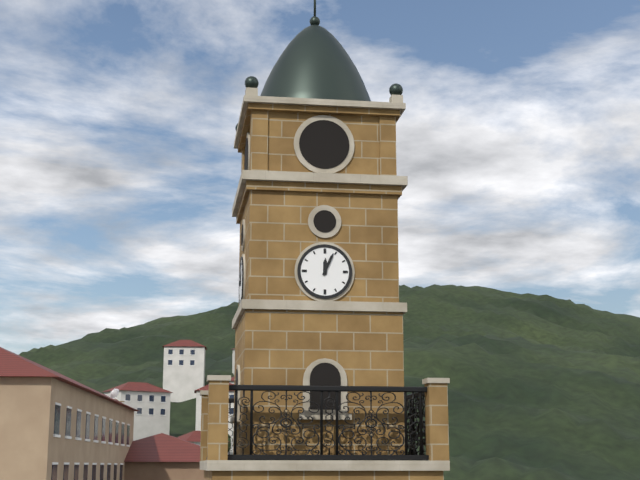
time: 12:04
